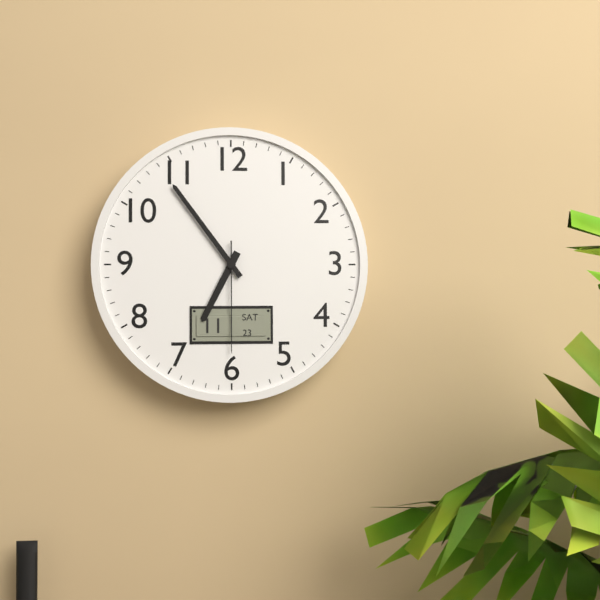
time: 6:54:30
